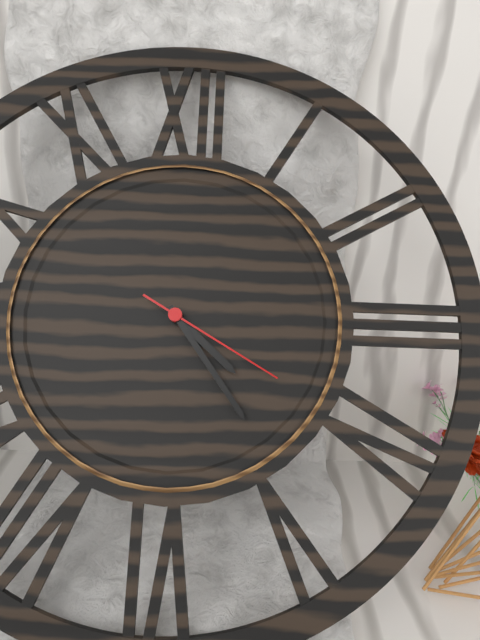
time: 4:24:20
